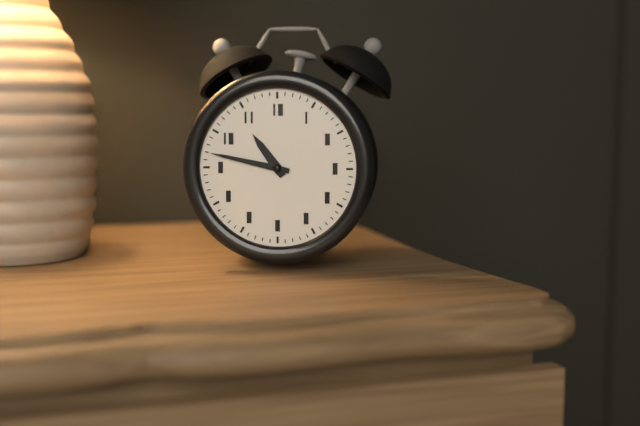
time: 10:47
